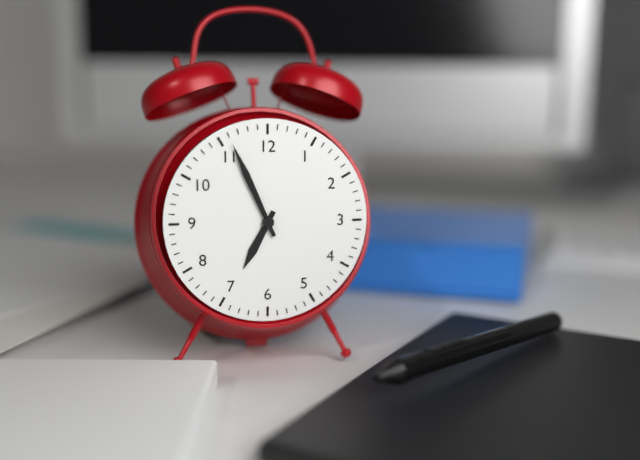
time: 6:56
